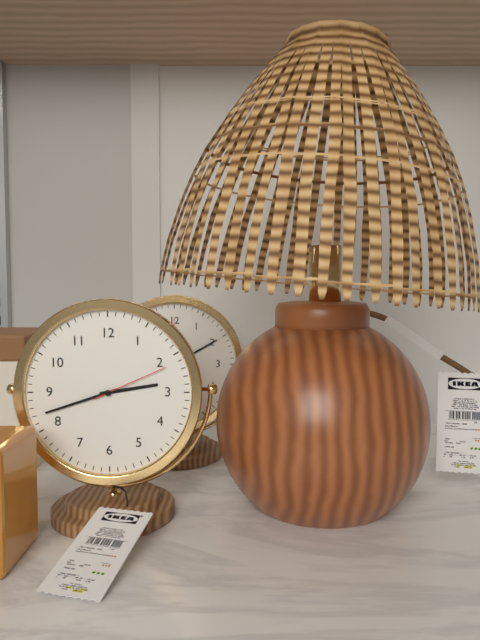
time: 2:42:11
